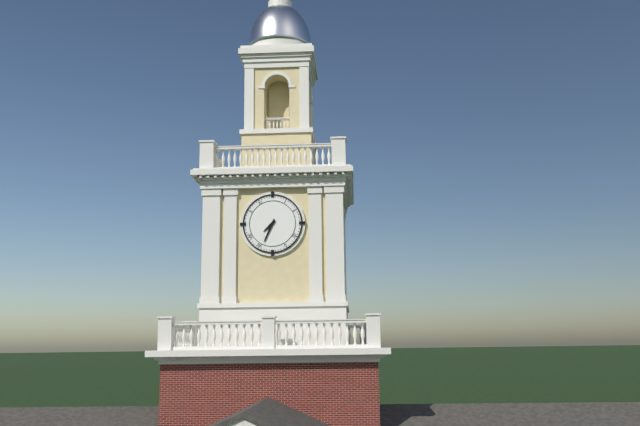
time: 7:34
